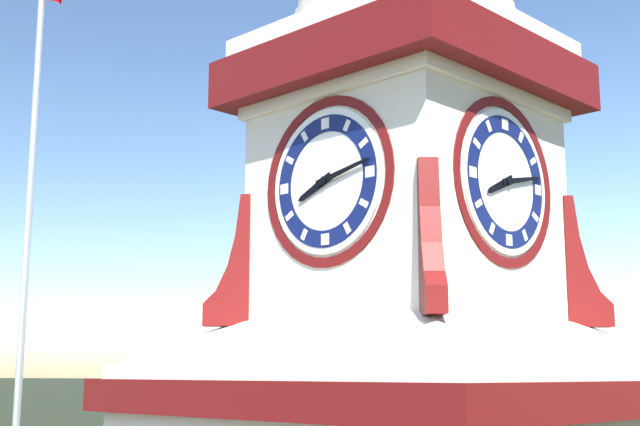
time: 8:13
